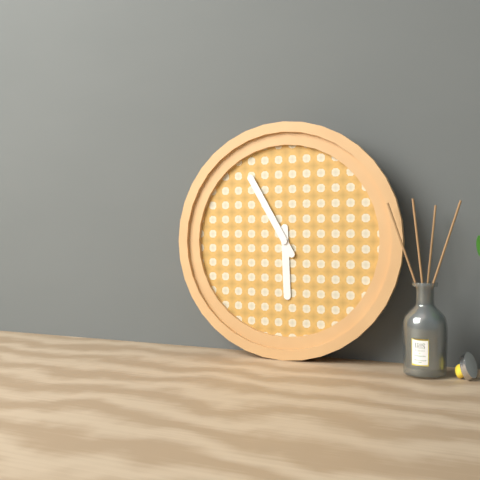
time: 5:55
